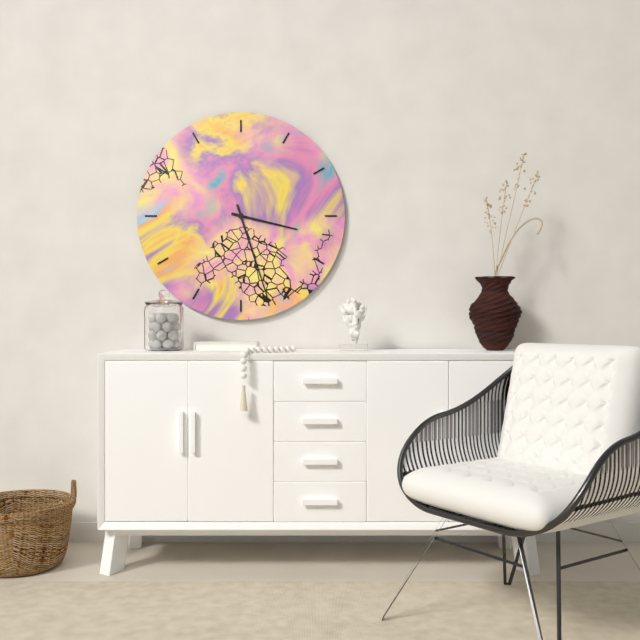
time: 3:27
